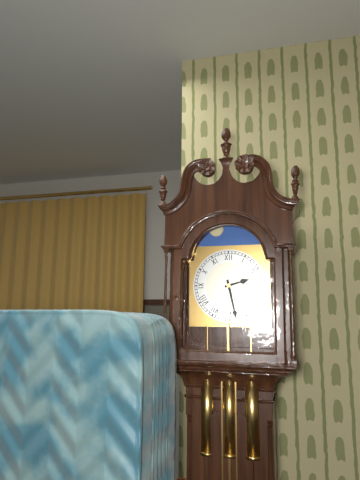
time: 2:28
